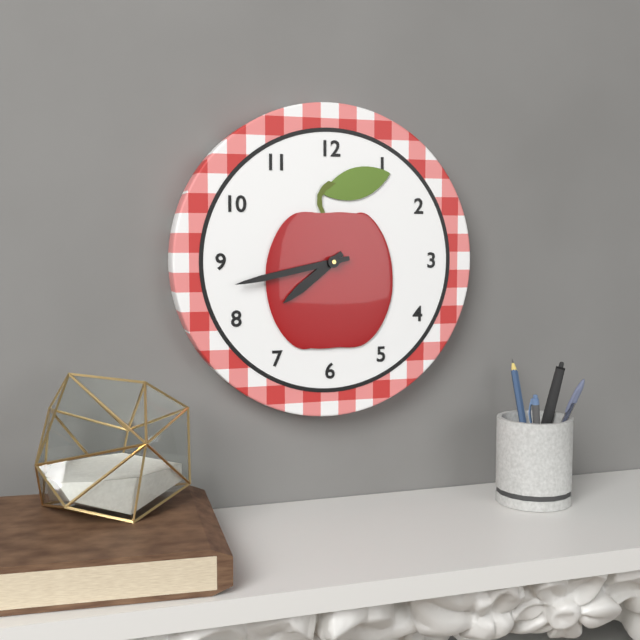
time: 7:43
